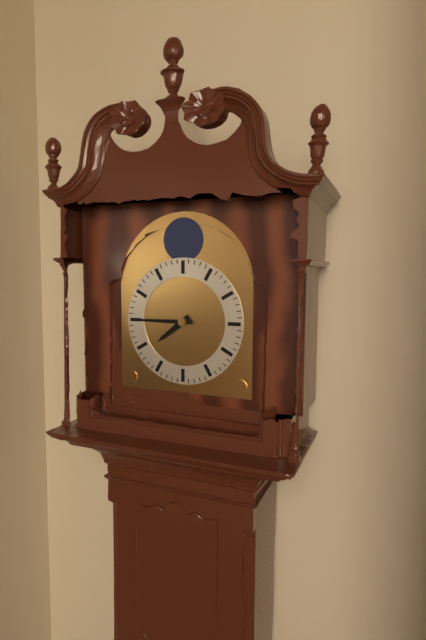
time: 7:45
